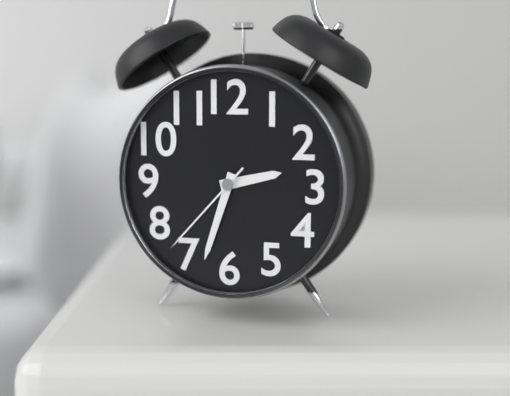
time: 2:33:37
